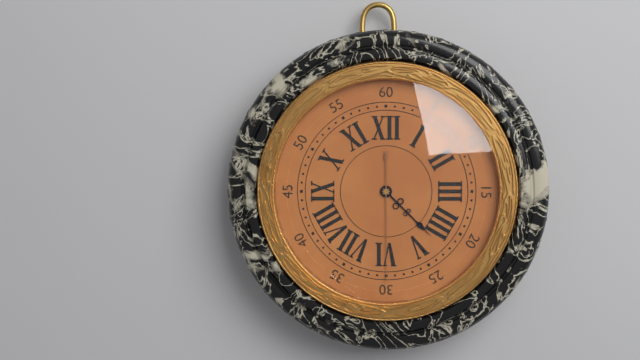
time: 4:30
